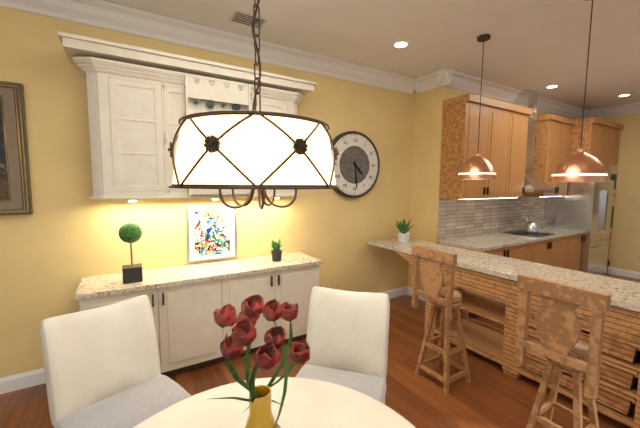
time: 4:29
